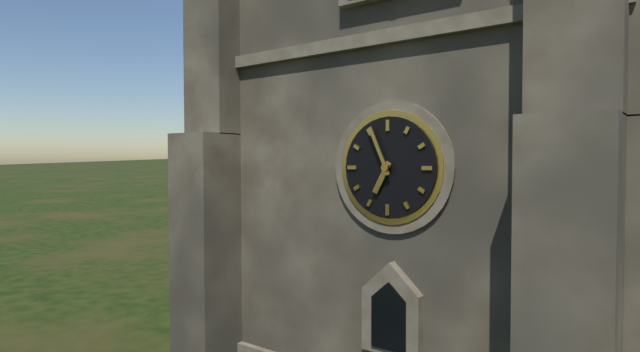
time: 6:56
